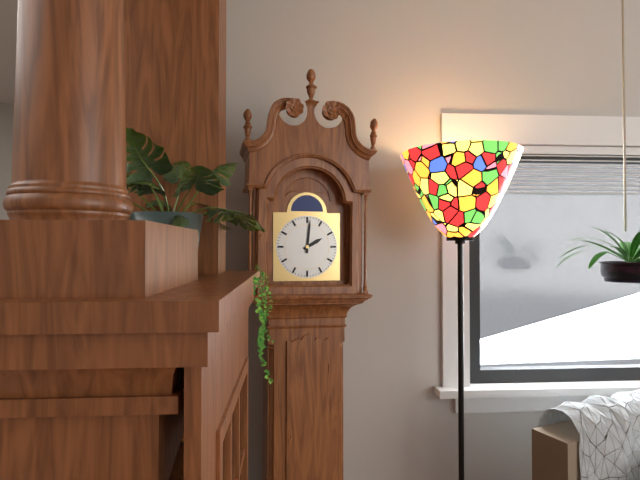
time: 2:01
